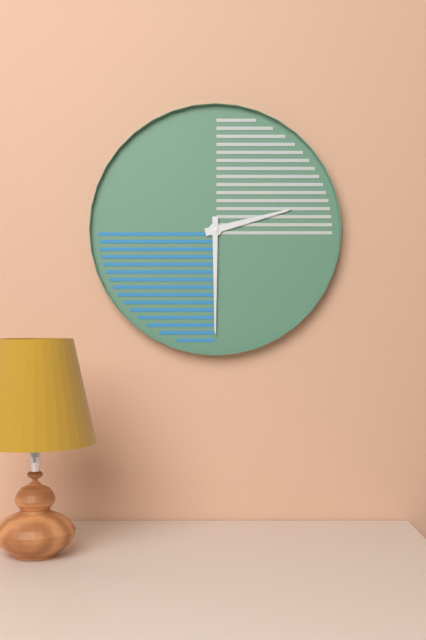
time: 2:30
